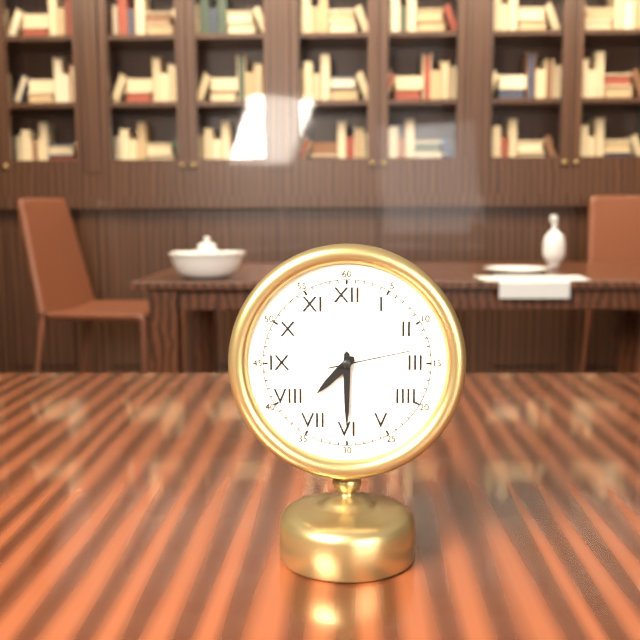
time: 7:30:13
